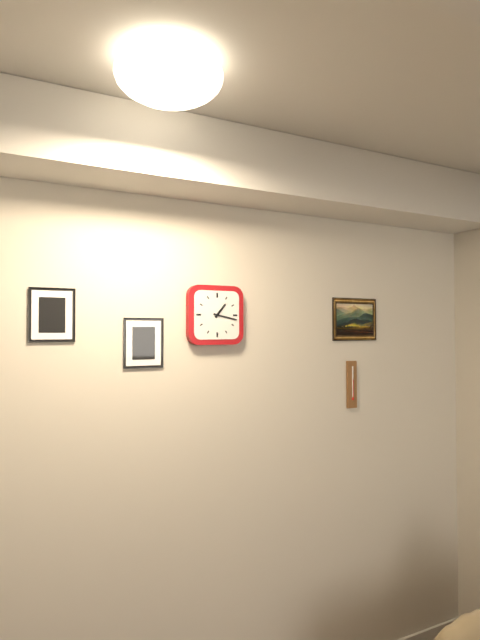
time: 1:17
